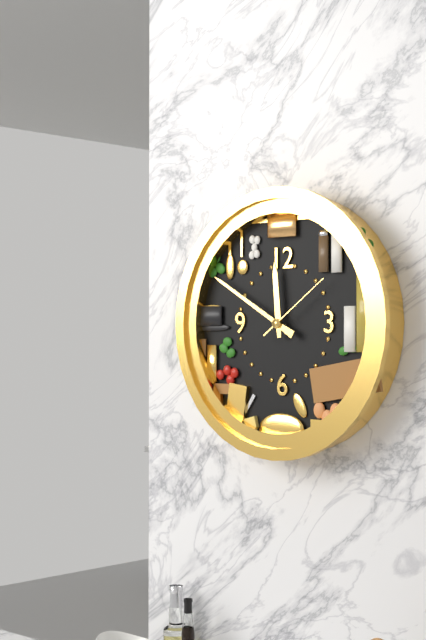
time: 11:50:09
